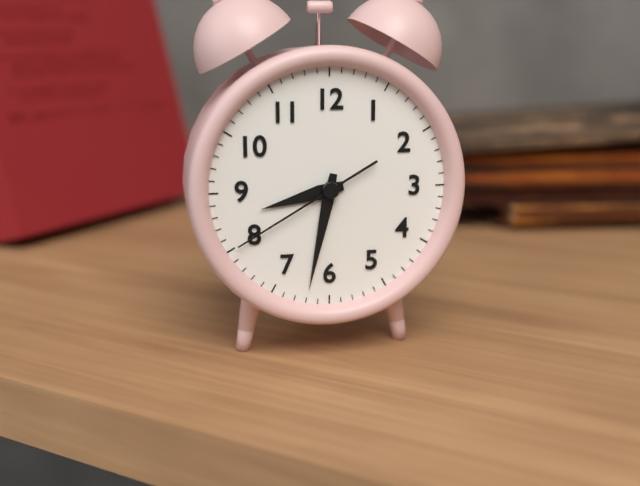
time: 8:32:40
